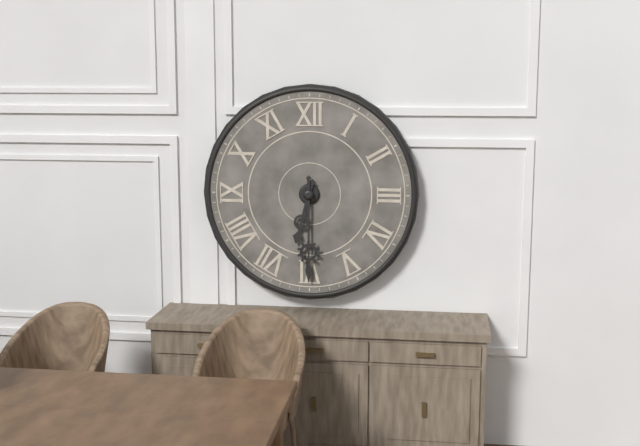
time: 6:30
